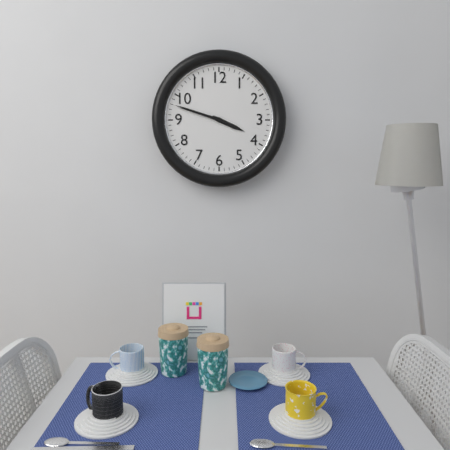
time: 3:48
